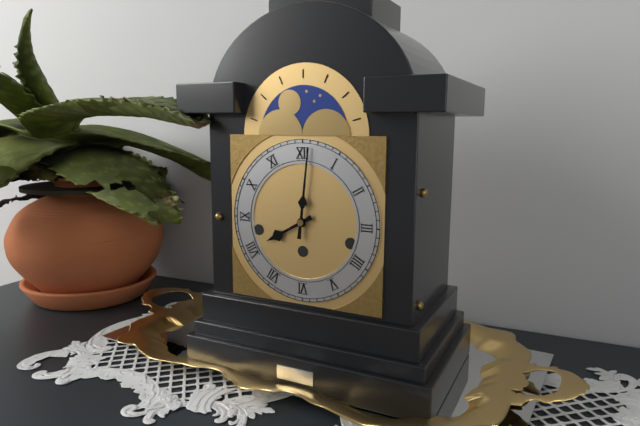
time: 8:01
